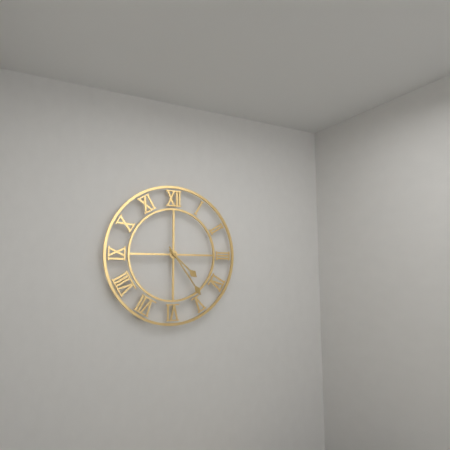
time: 4:24
